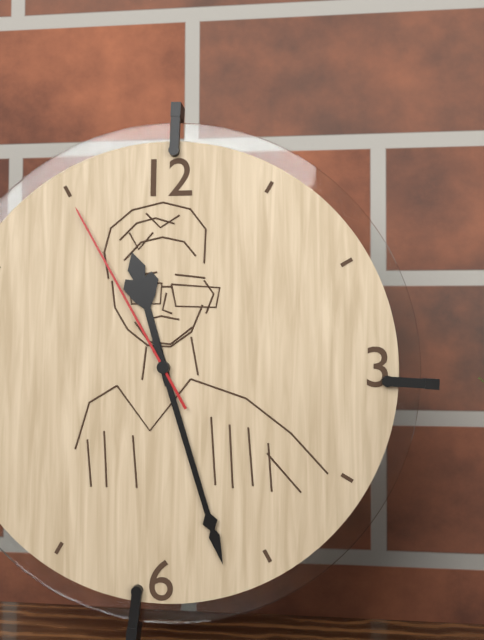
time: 11:27:55
